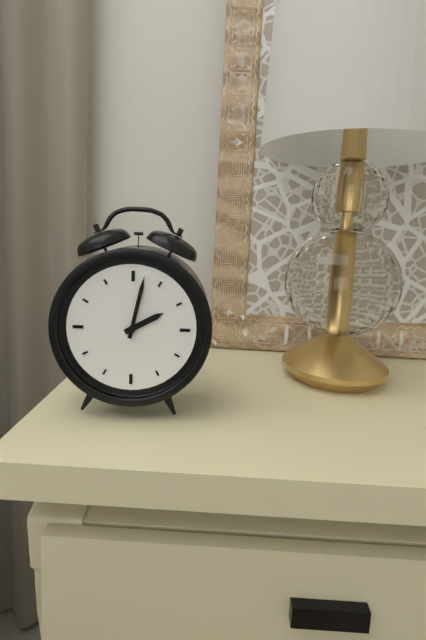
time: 2:02
